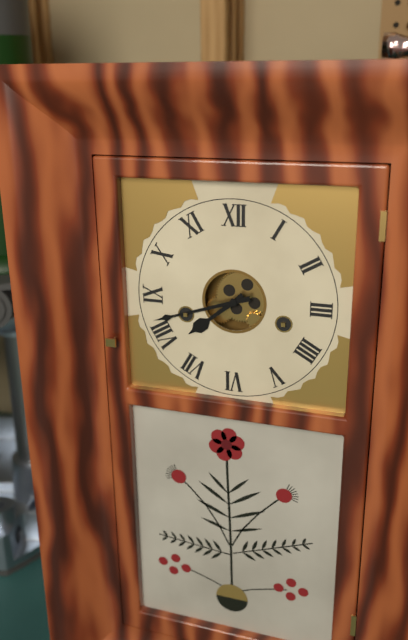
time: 7:42
